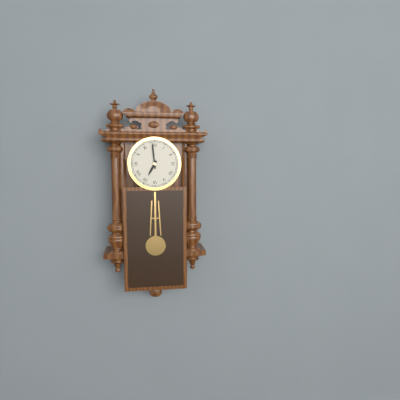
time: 6:59
